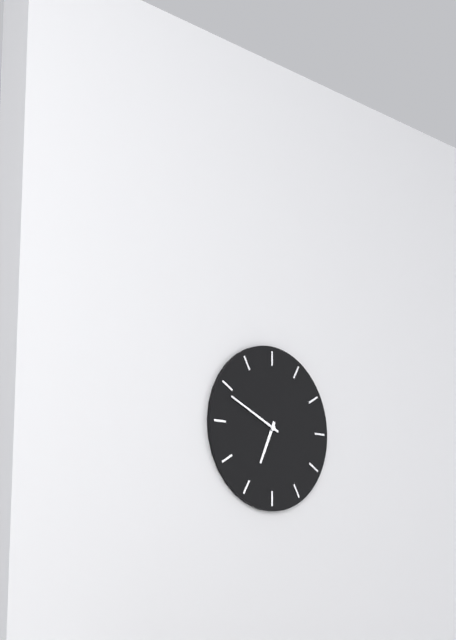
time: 6:49
